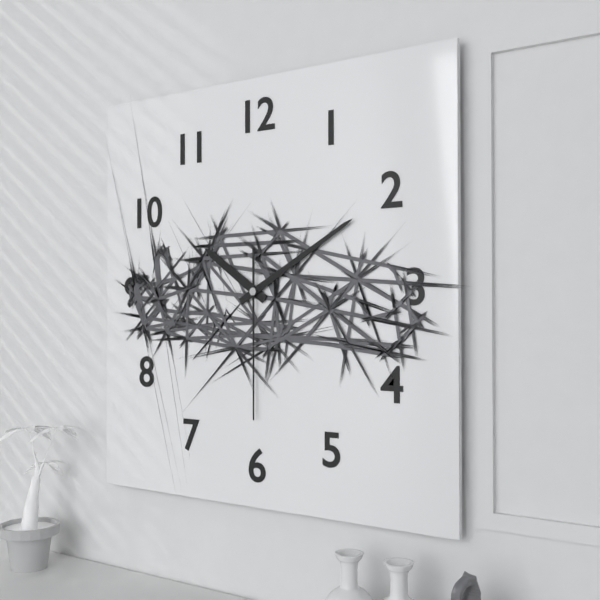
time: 10:10:30
